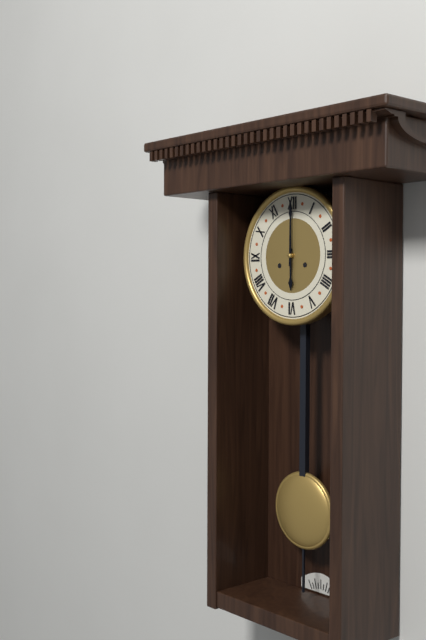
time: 6:00
